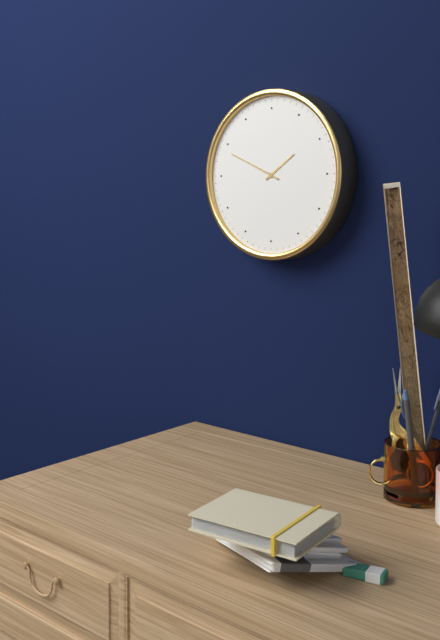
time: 1:49
